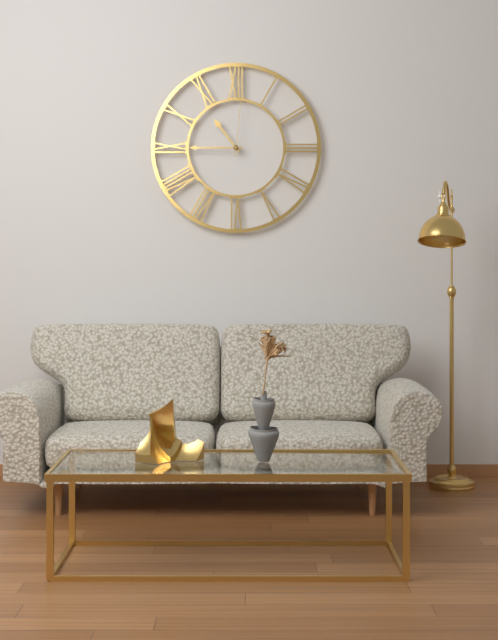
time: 10:45:01
